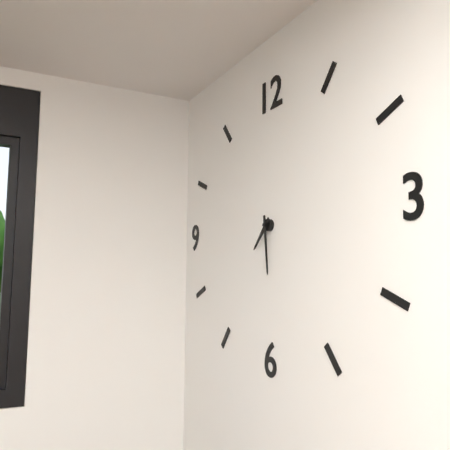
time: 7:29
